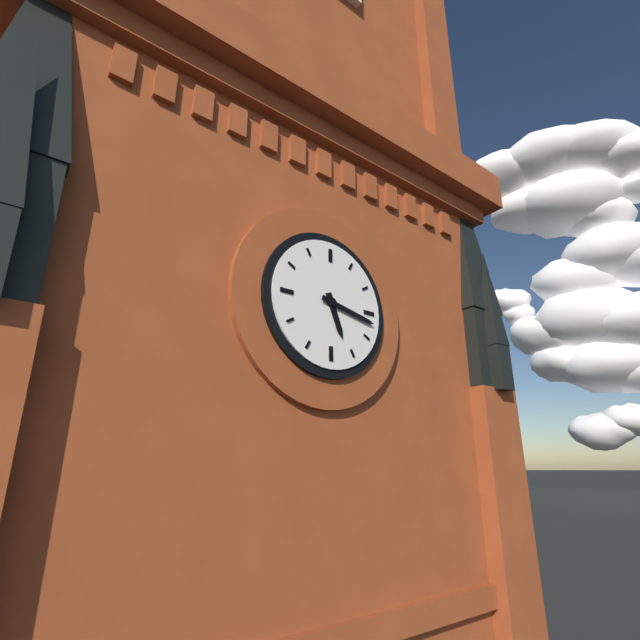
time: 5:17
